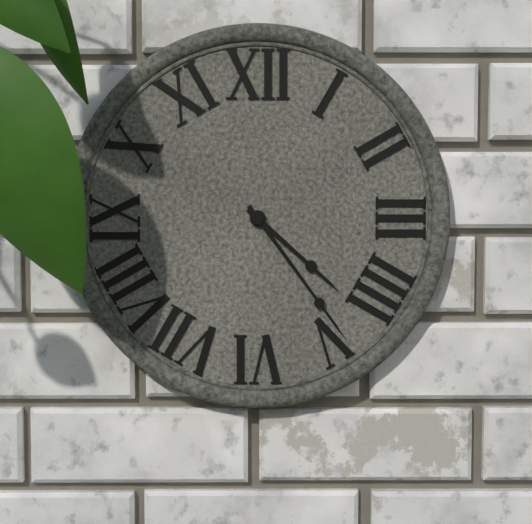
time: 4:24
